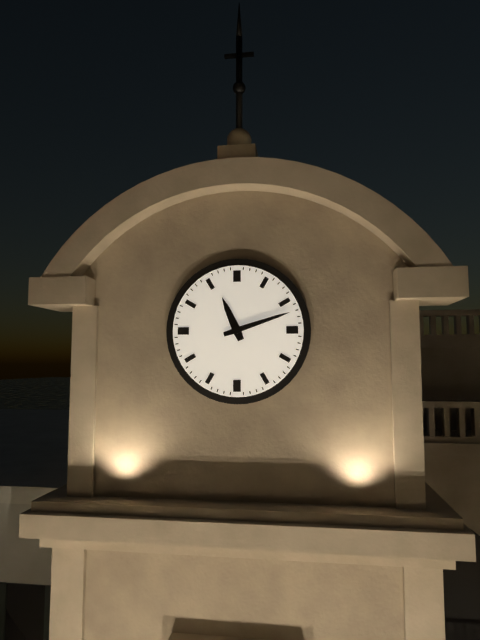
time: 11:12
